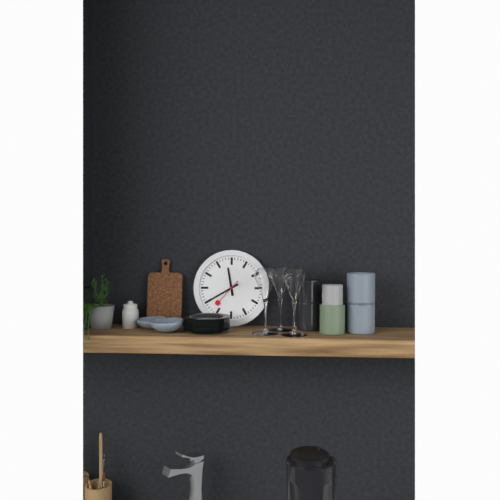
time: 11:40
